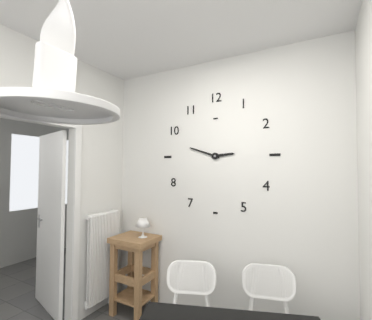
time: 2:48
